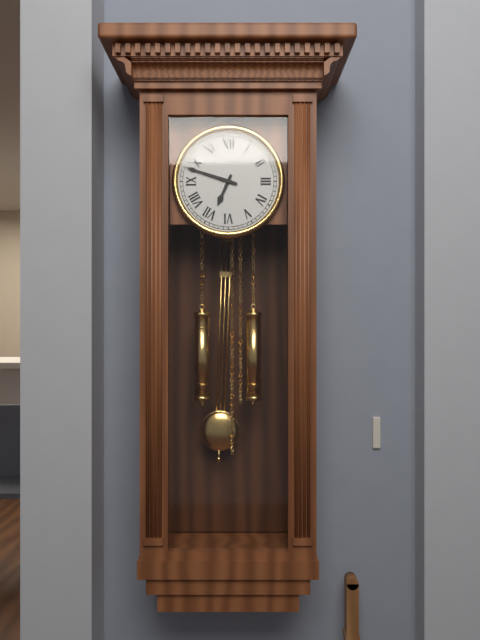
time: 6:48
